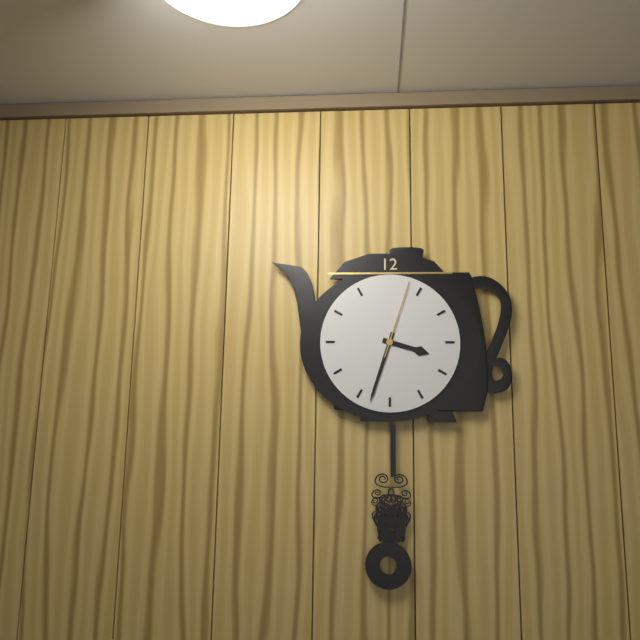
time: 3:33:03
